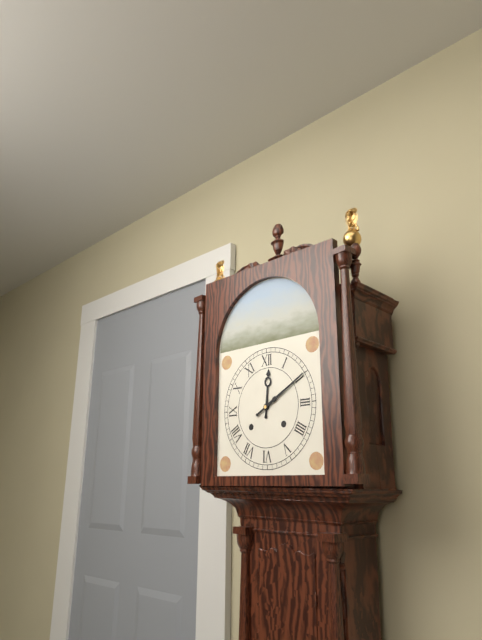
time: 12:10
